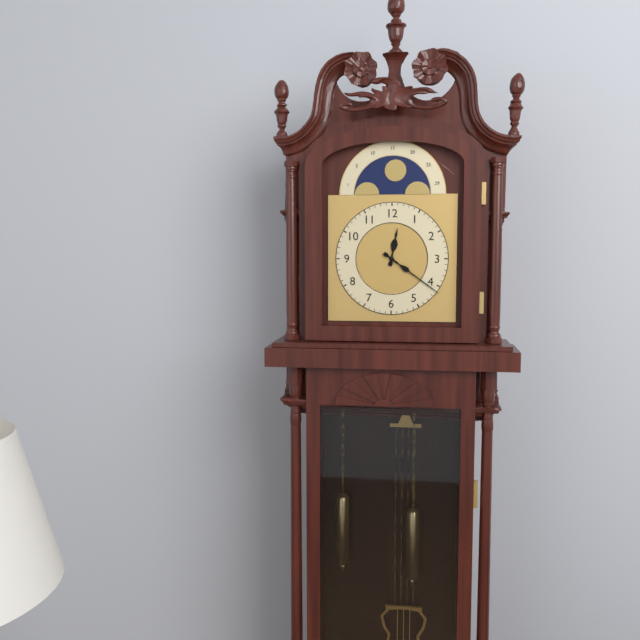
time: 12:21
